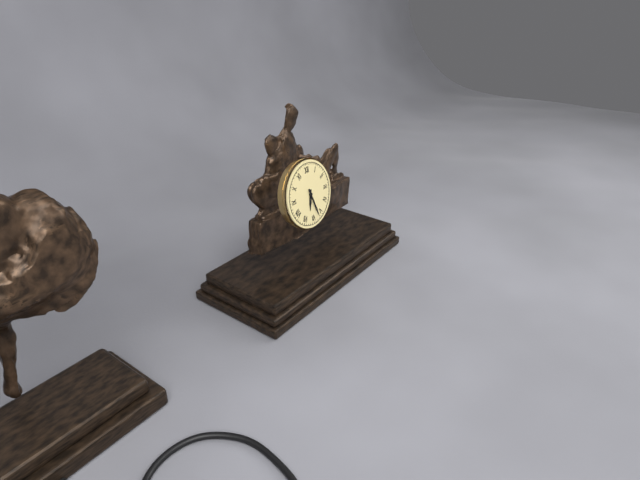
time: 6:27
